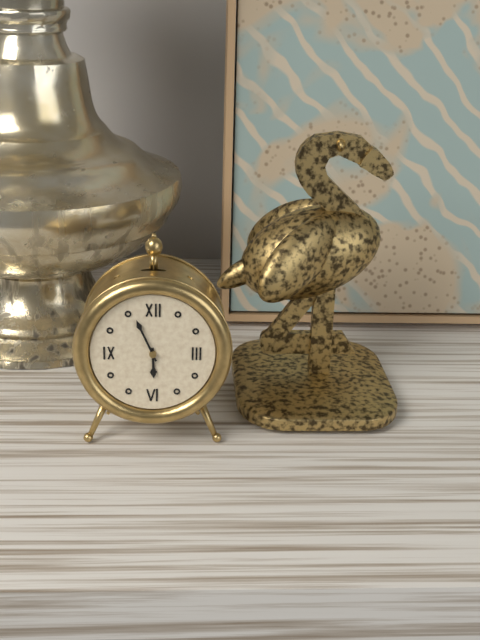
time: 5:56
